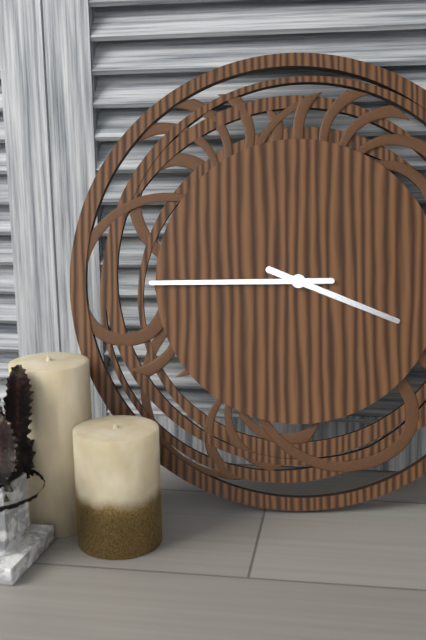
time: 3:45
